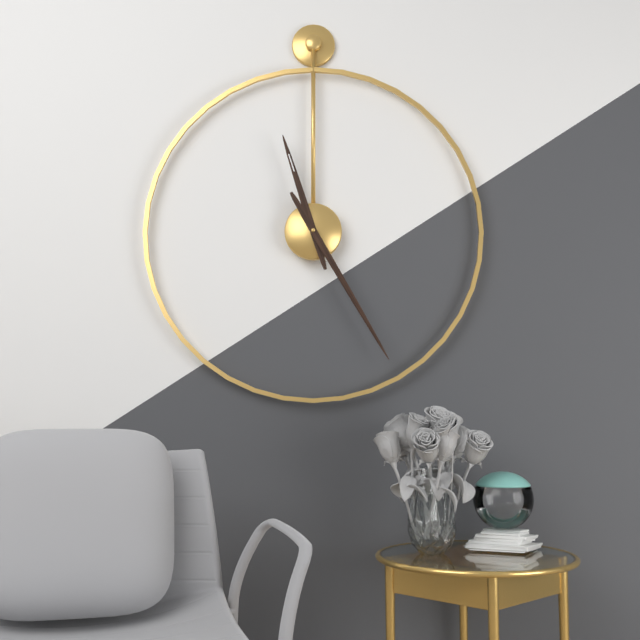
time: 11:25
